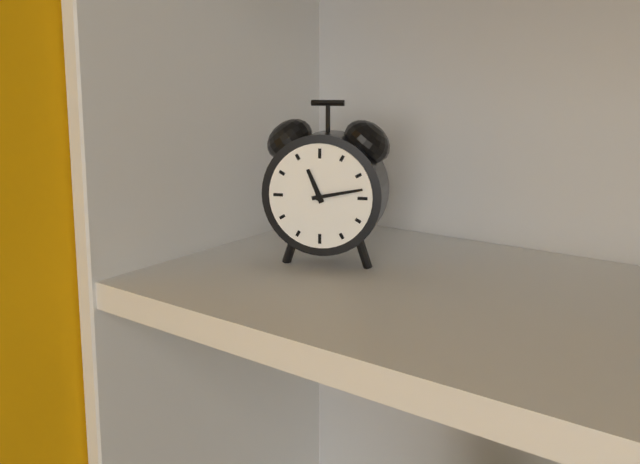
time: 11:13
